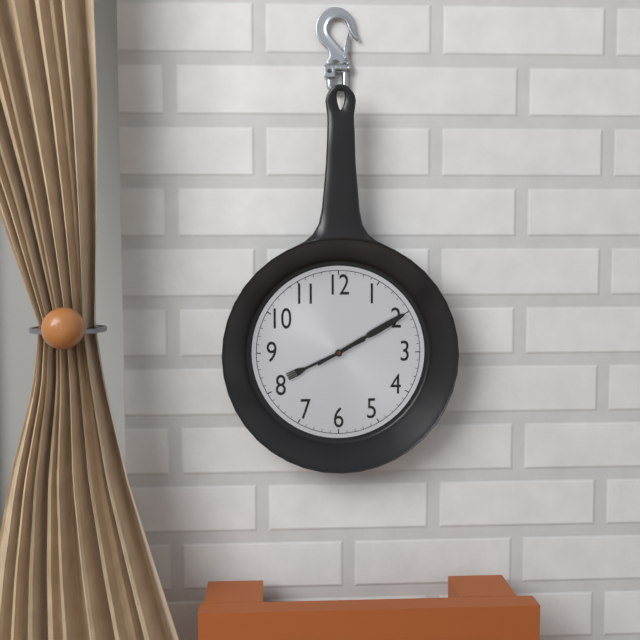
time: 8:10
